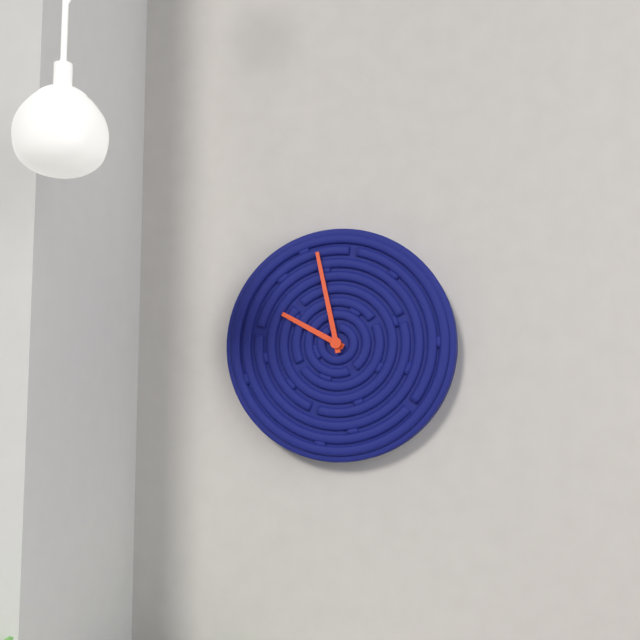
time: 9:58
